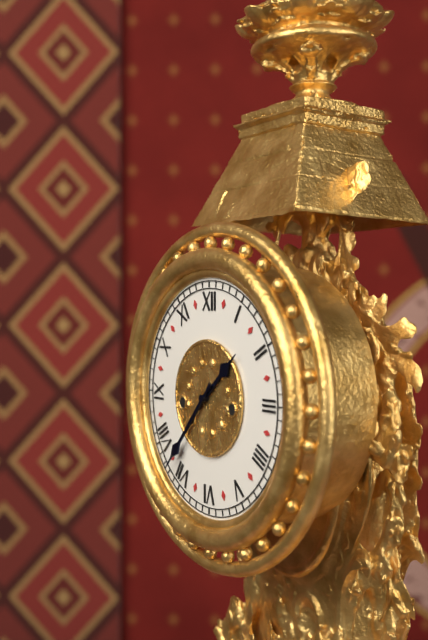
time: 1:37
